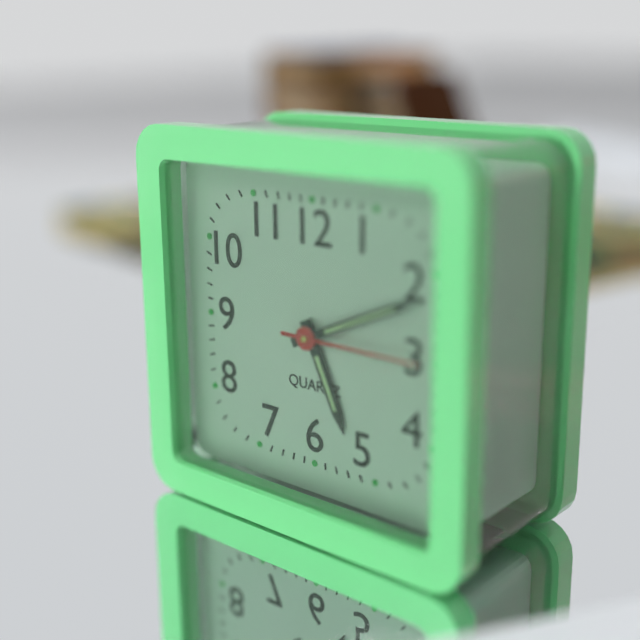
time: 5:11:15
